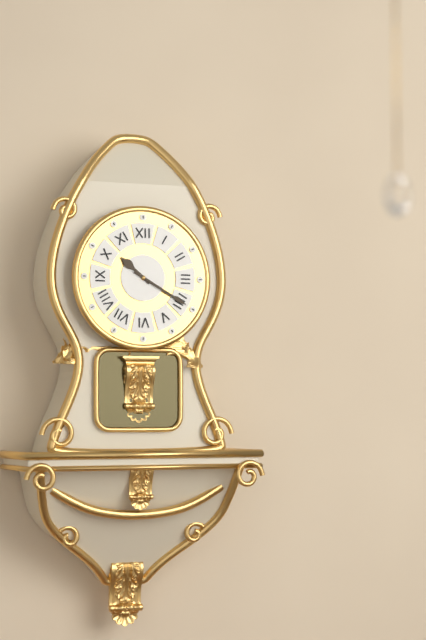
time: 10:20
